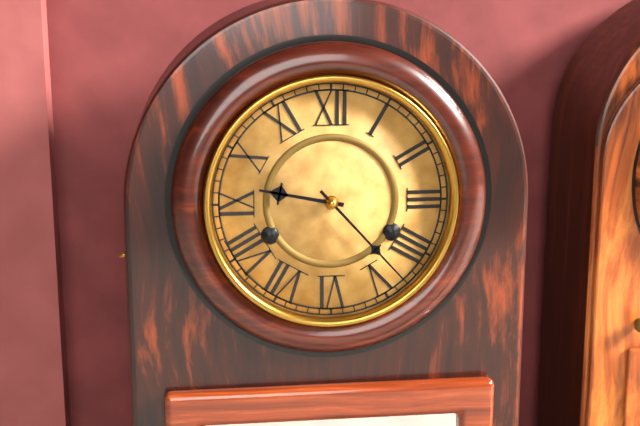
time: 9:23
